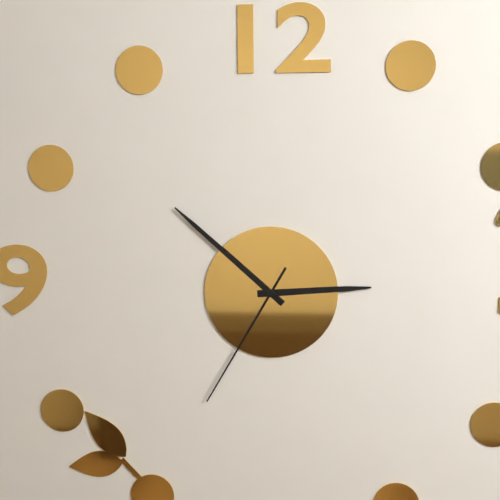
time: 2:52:35
